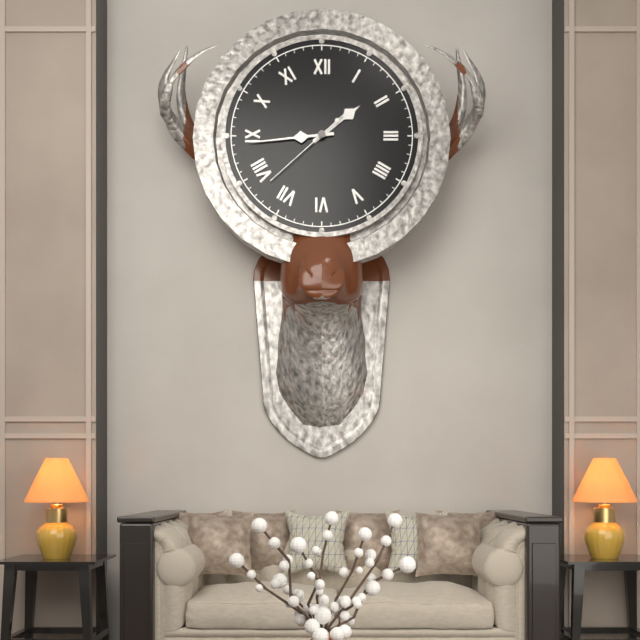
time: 1:44:38
